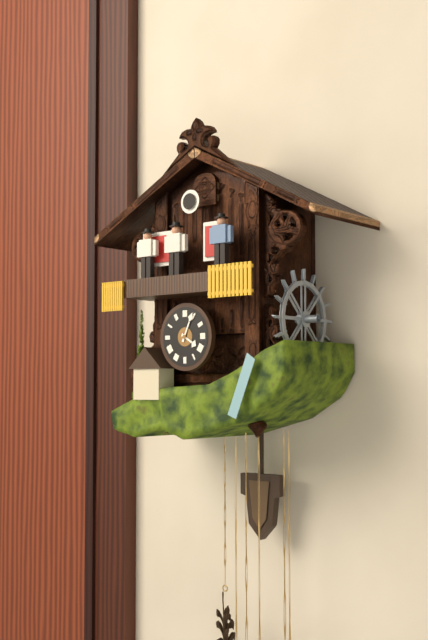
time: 4:04
